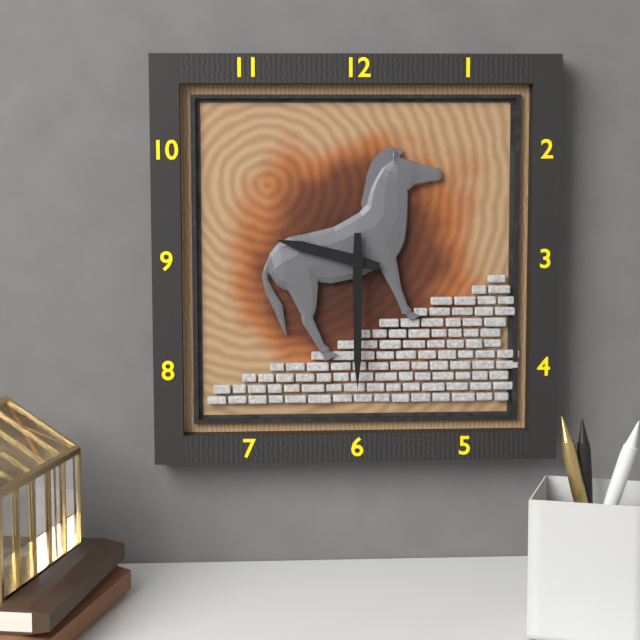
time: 9:30
